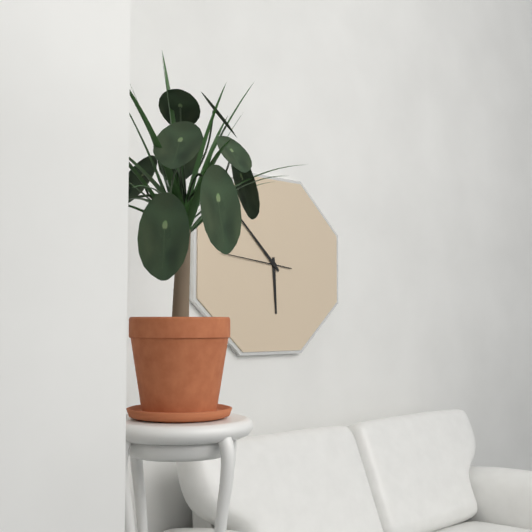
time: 5:52:46
